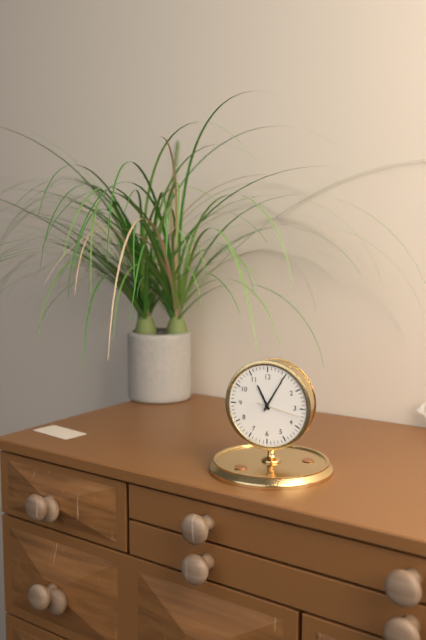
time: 11:05
